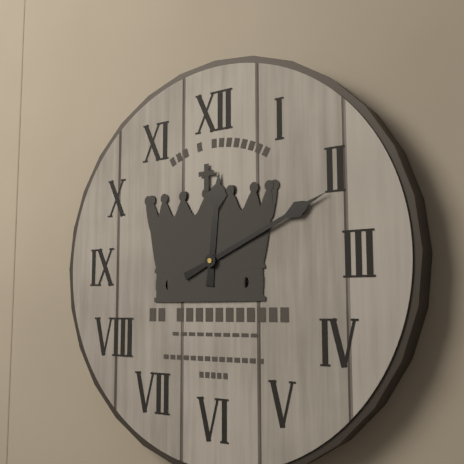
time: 12:11
